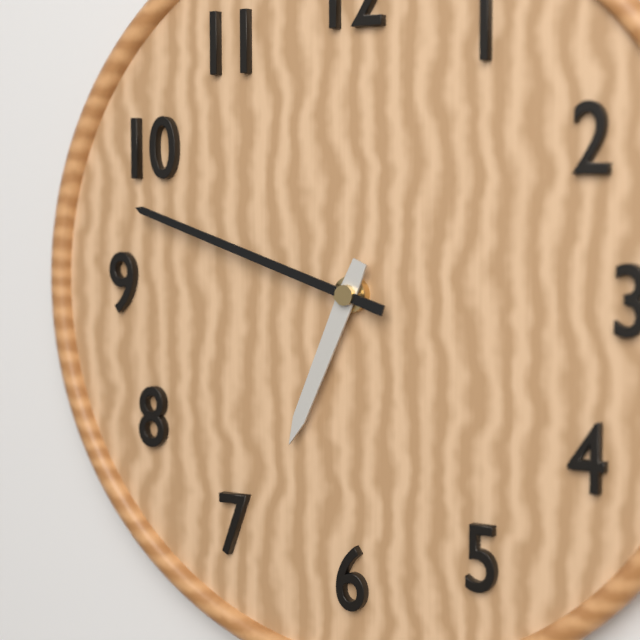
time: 6:48
